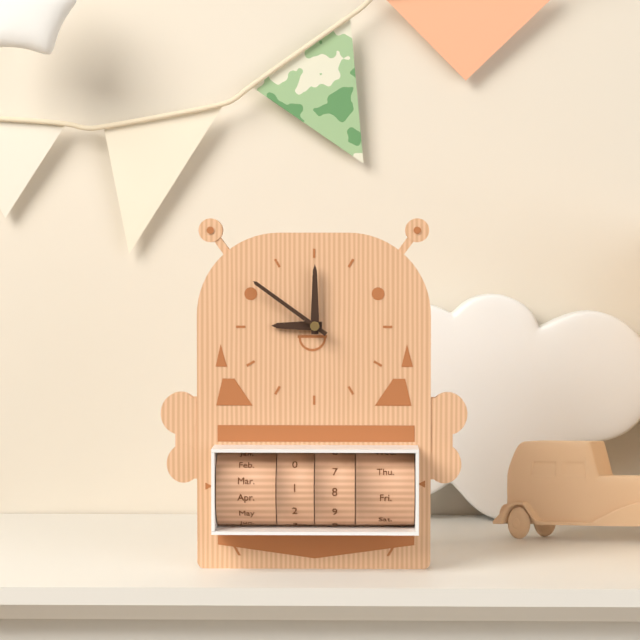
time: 9:00:51
